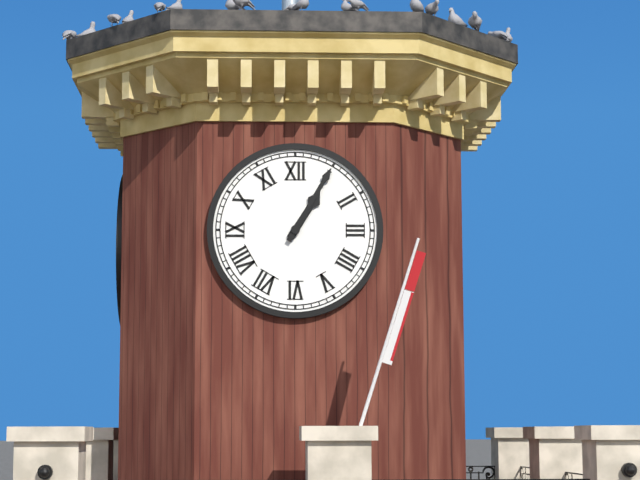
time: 1:05
